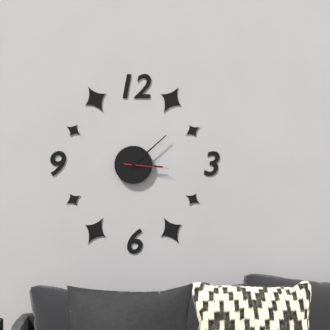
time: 3:08
